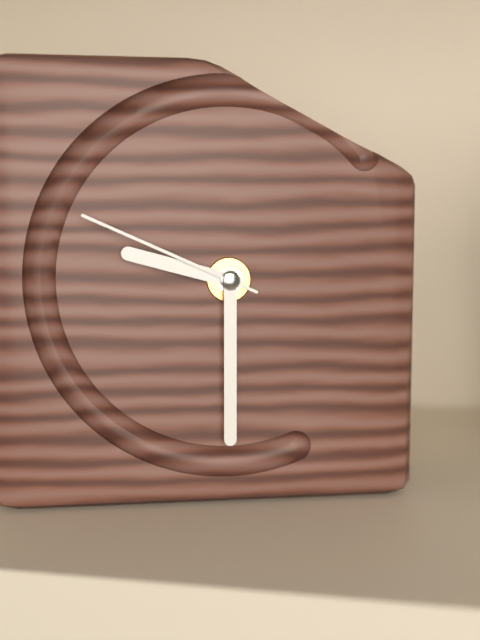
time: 9:30:49
